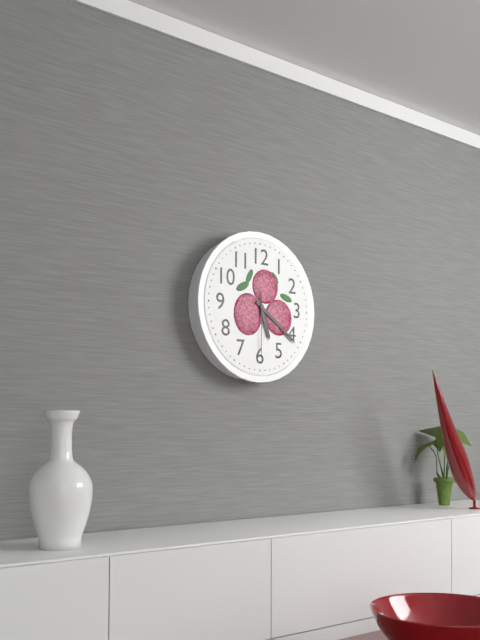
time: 5:21:30
